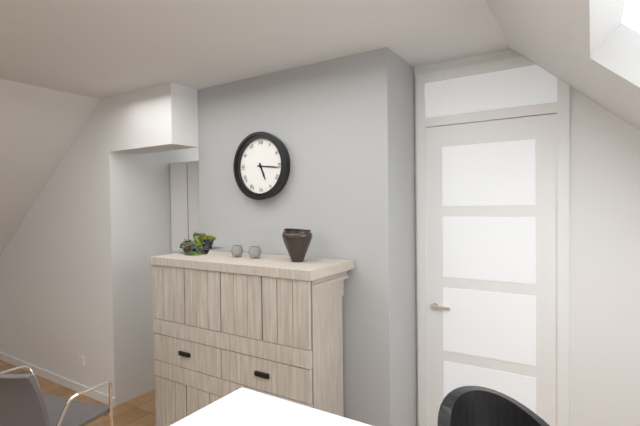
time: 5:16
